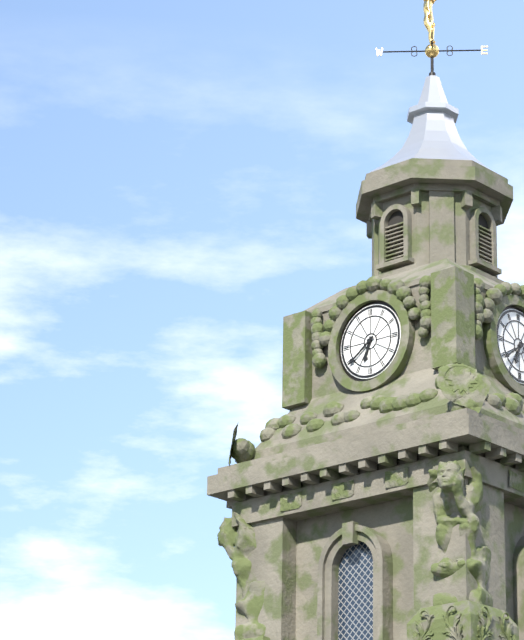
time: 6:39
